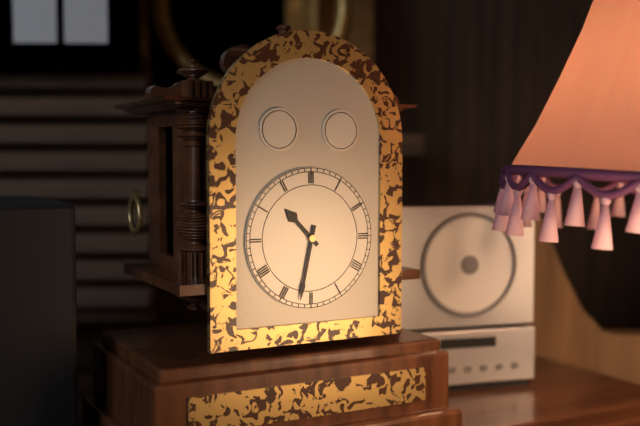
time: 10:32
